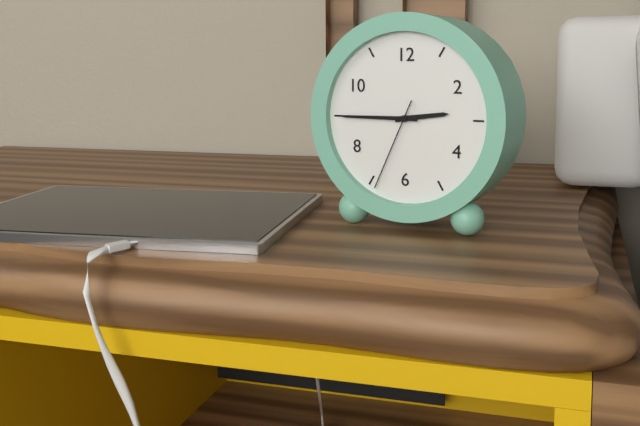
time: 2:45:34
